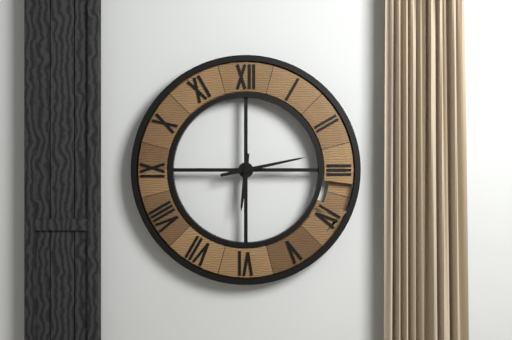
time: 6:13
